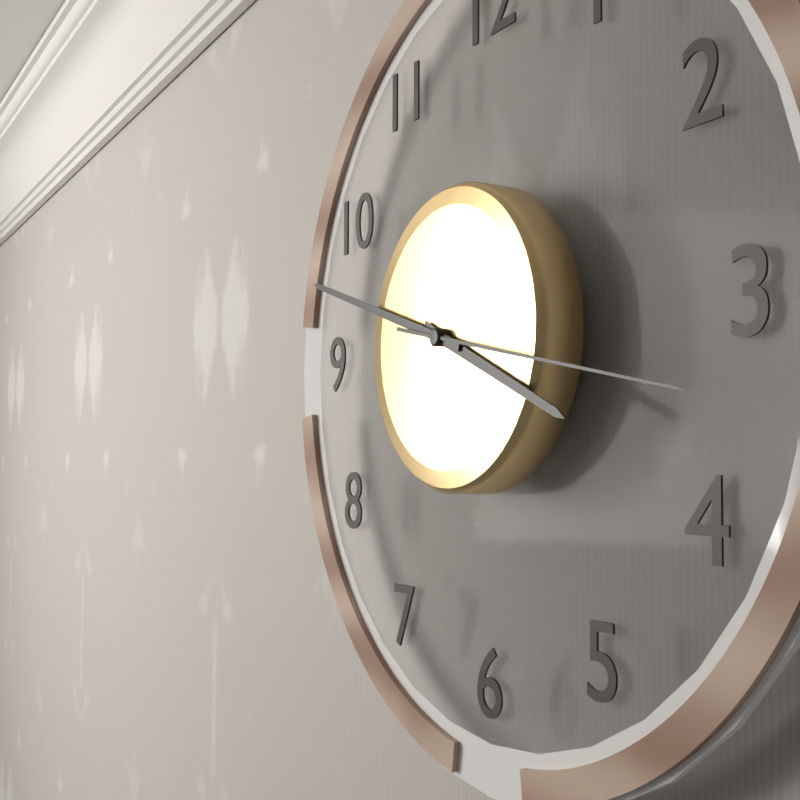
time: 3:48:17
